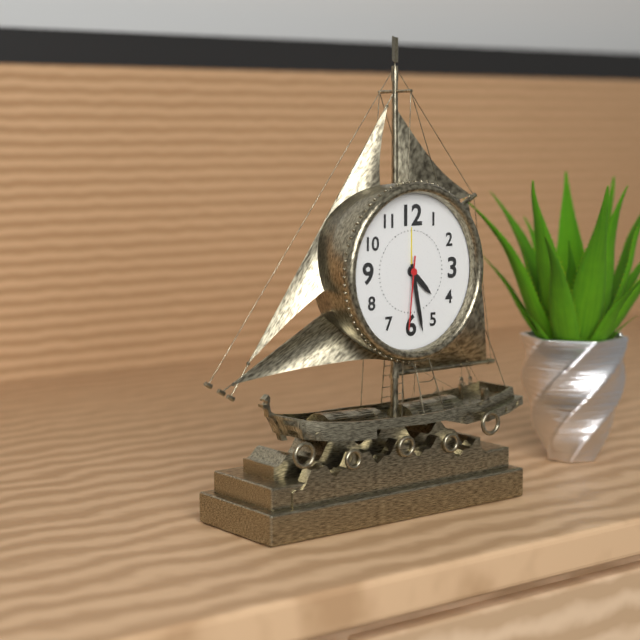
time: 4:28:31
